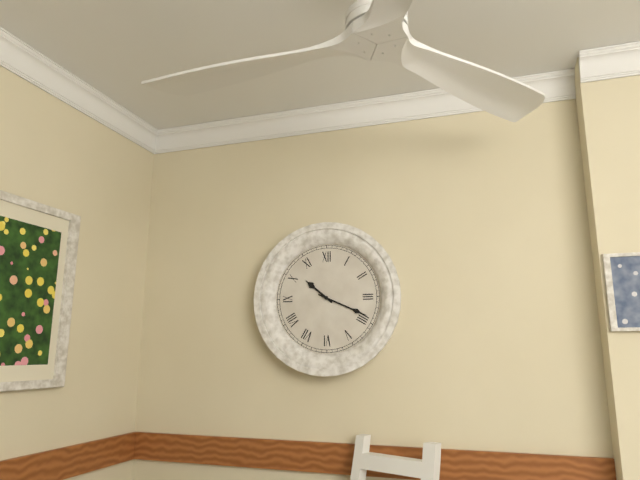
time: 10:19
